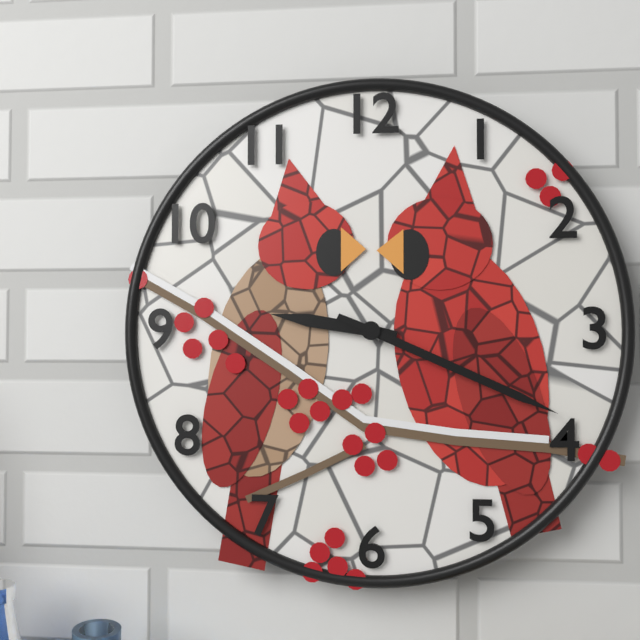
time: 9:19
